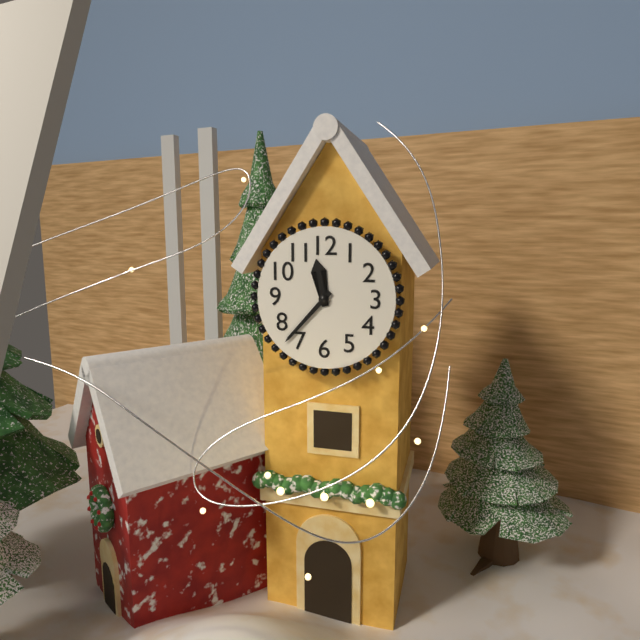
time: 11:37
